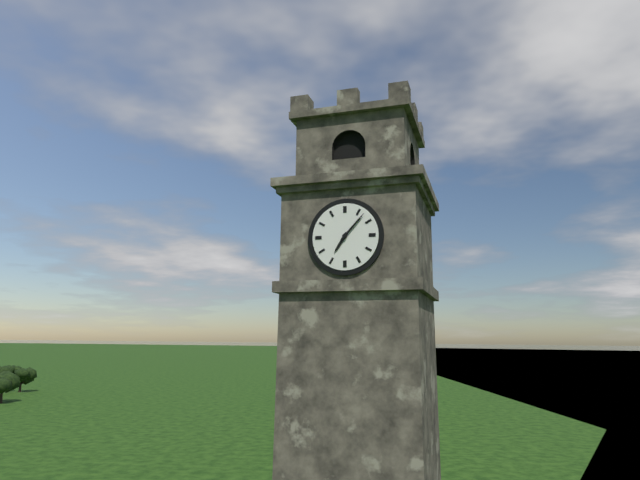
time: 7:07
